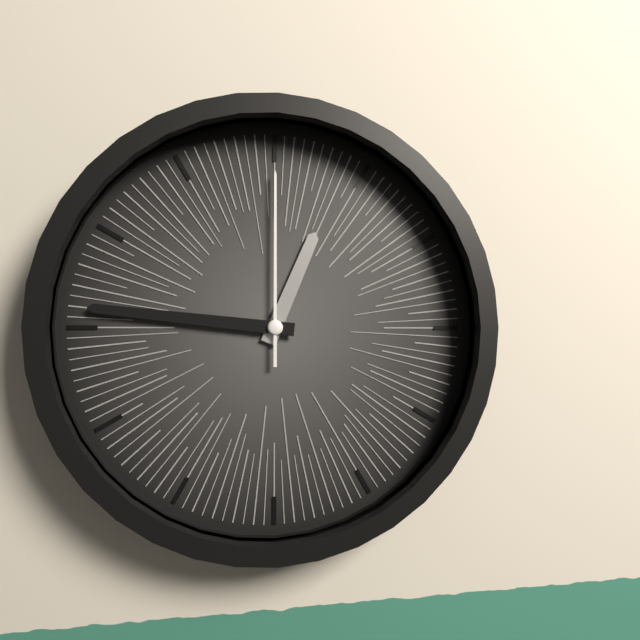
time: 12:46:00
